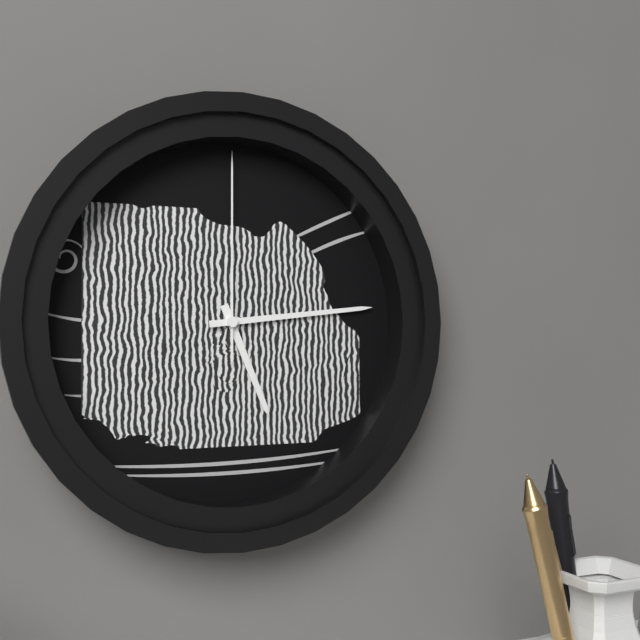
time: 5:14:00
